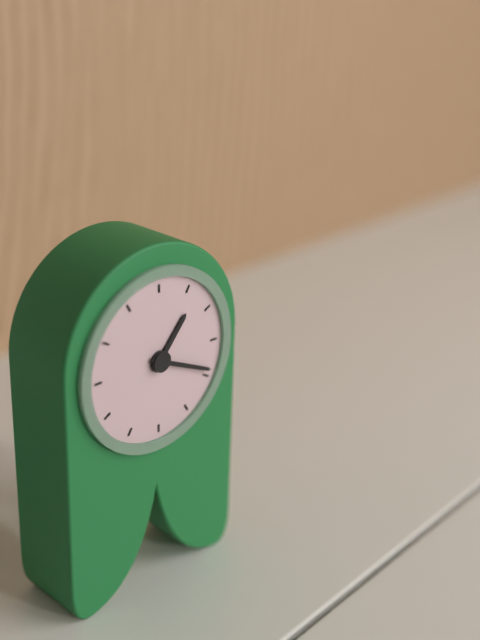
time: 1:19
